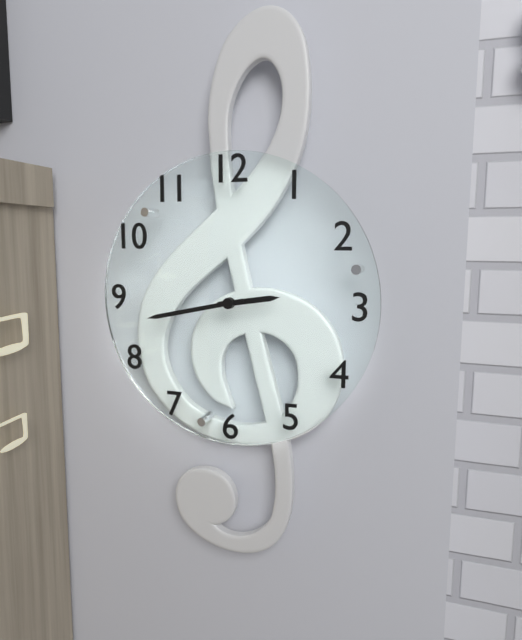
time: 2:43
